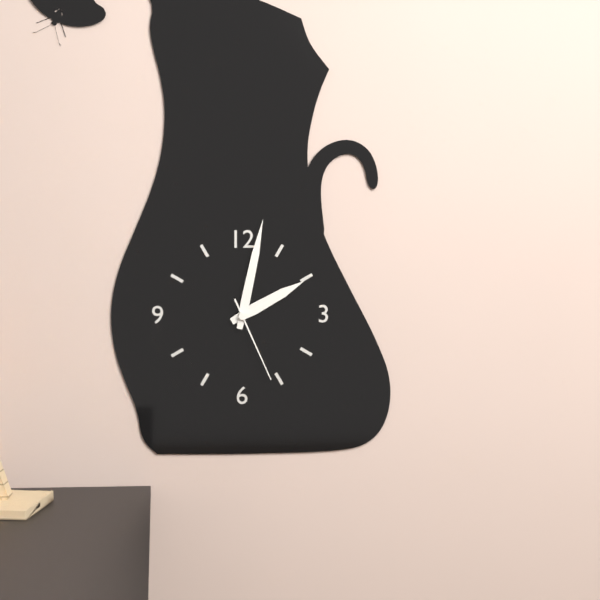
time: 2:02:26
